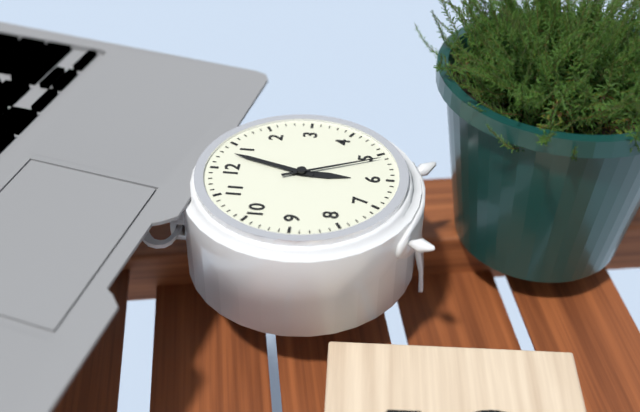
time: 6:03:26
